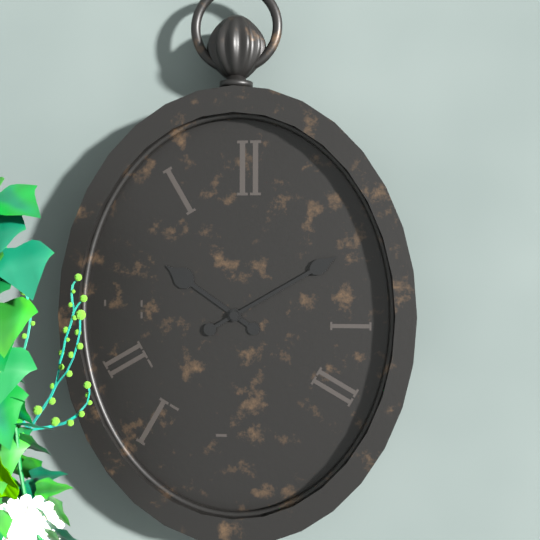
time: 10:10
